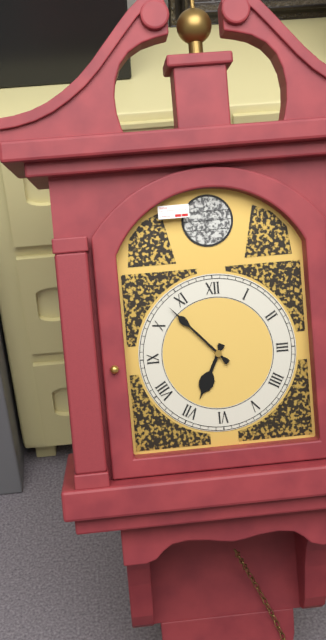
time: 6:53
